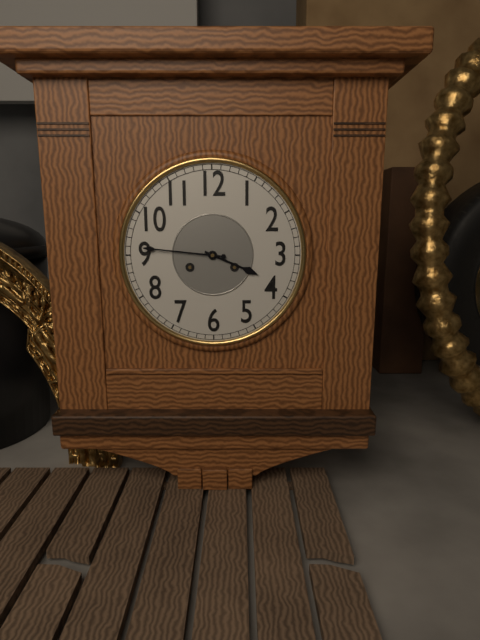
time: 3:46
